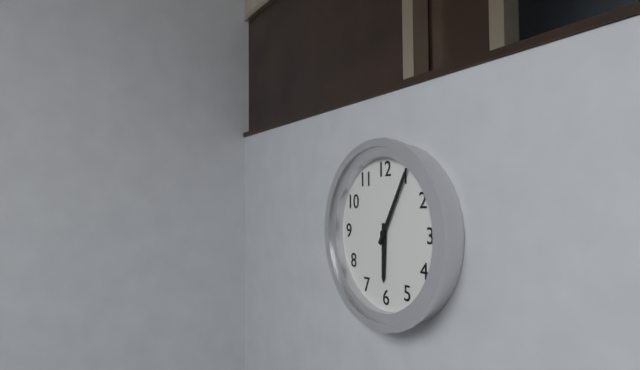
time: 6:05
